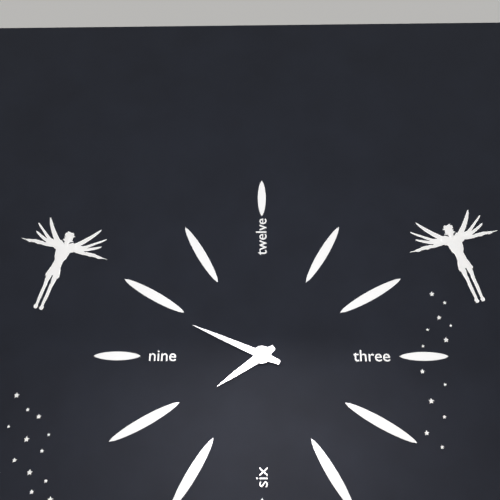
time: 7:49
